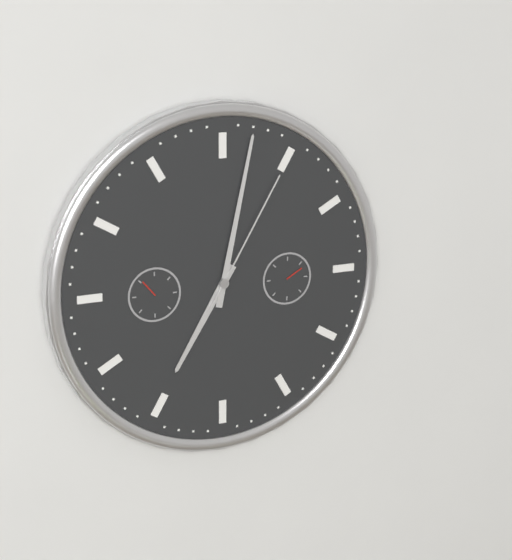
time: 7:02:05
